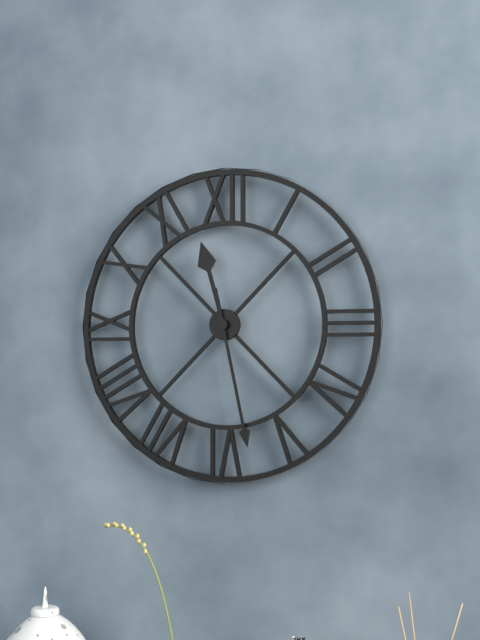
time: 11:28
